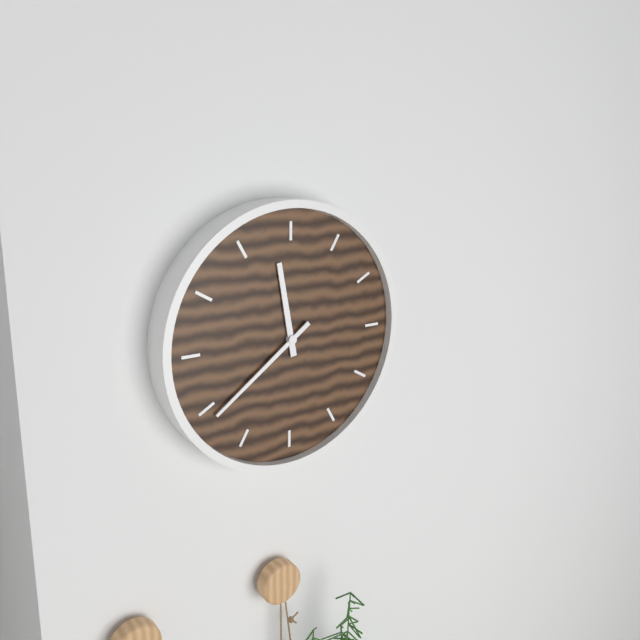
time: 11:39
